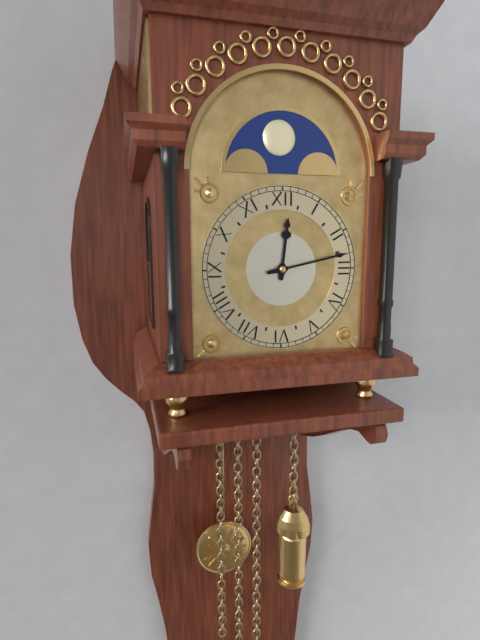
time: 12:13
